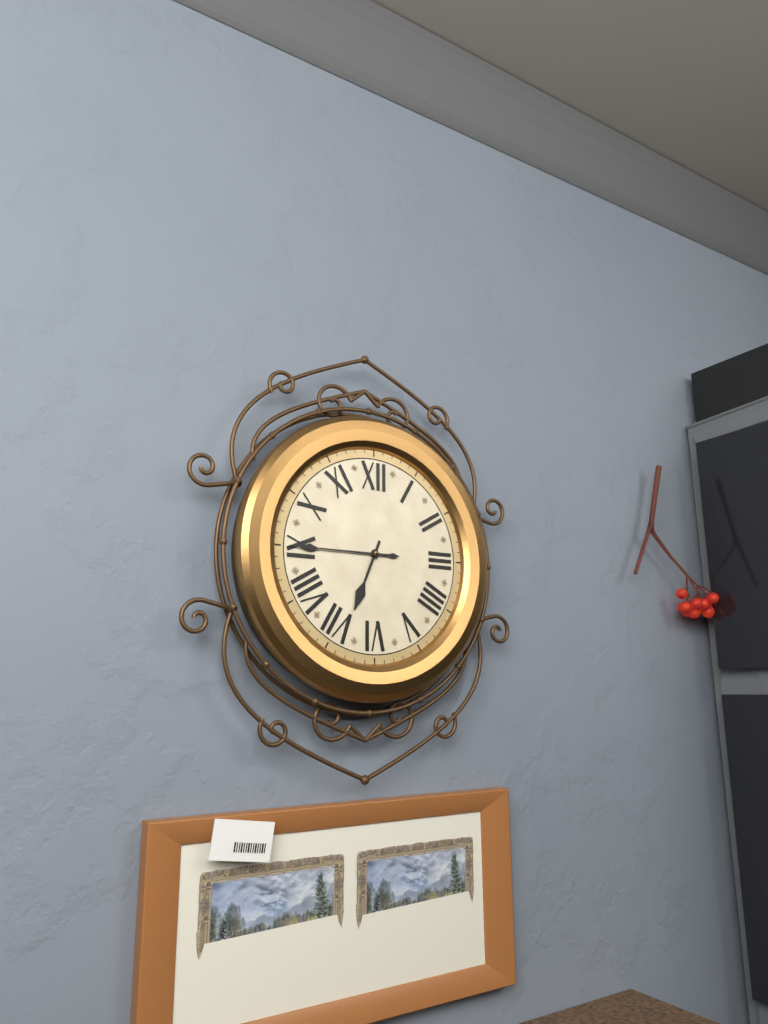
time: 6:45
